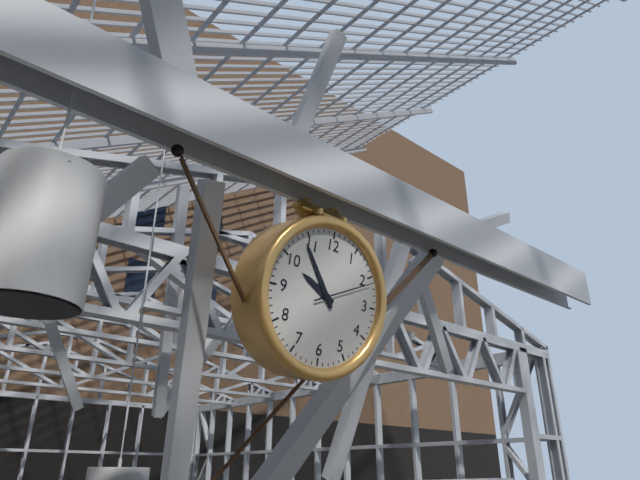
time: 9:54:11
